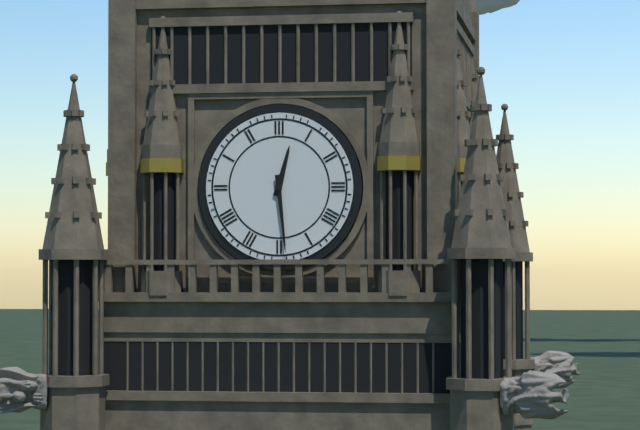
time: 12:29
